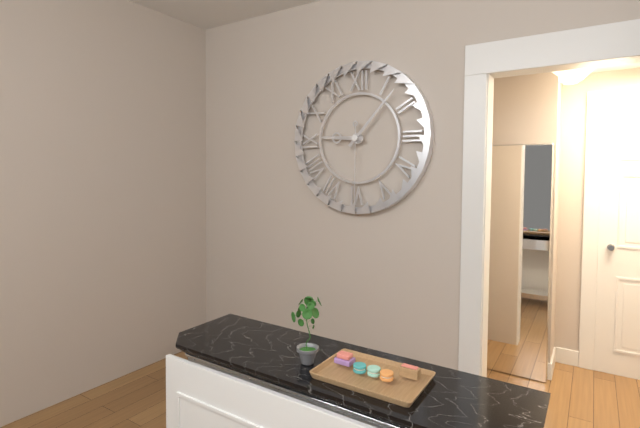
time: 9:07:30
